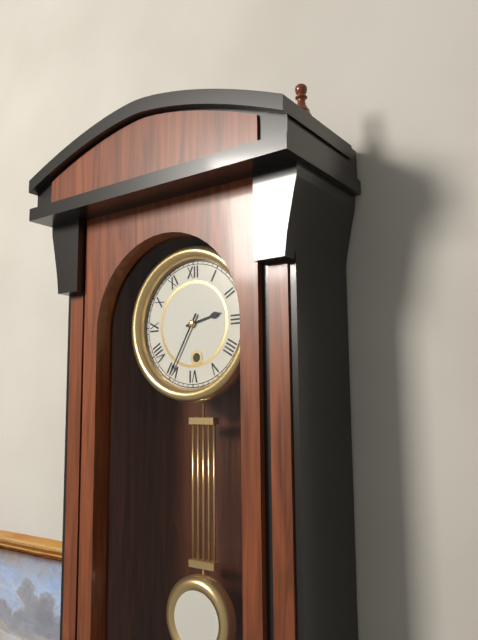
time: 2:35
